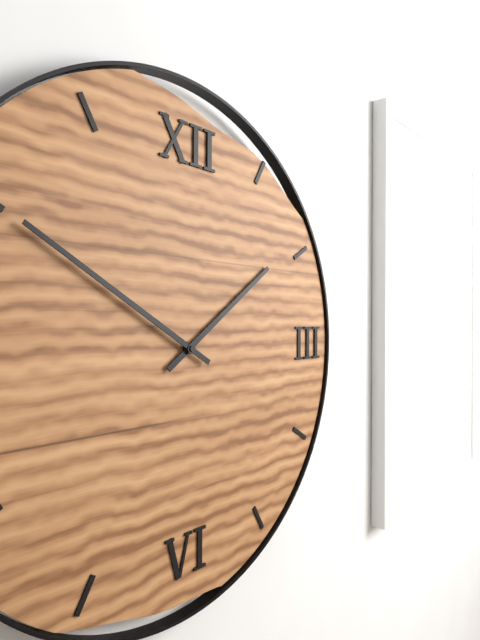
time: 1:50
